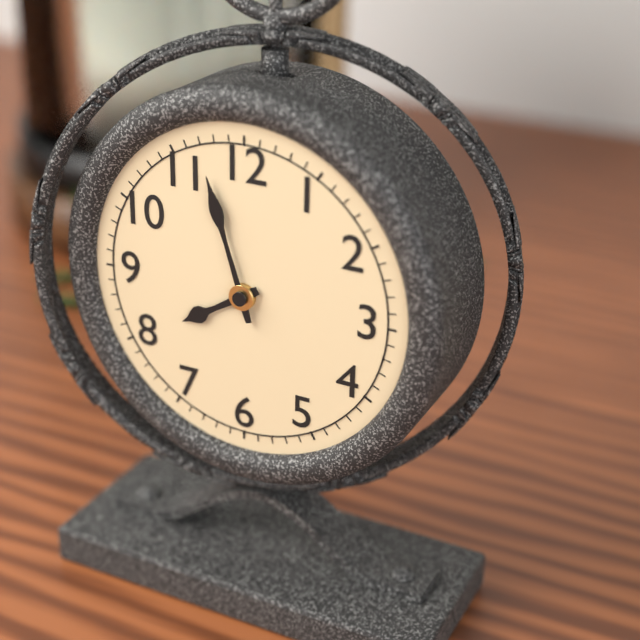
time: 7:57
